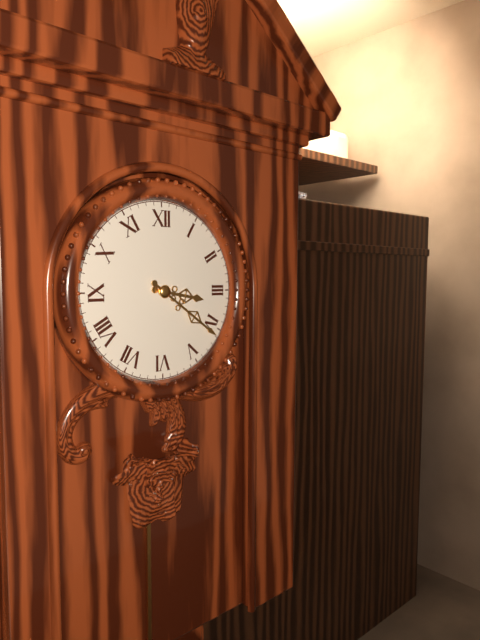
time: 3:21
